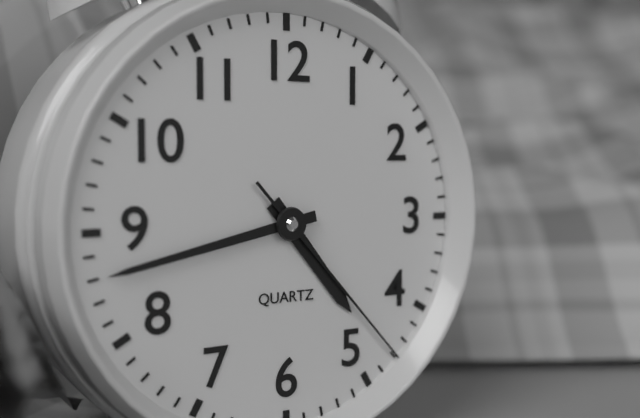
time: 4:43:23
